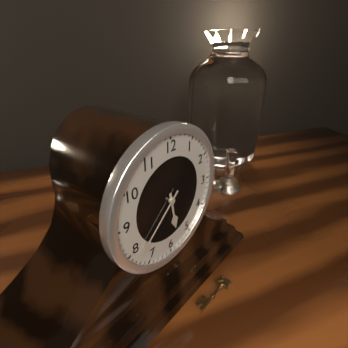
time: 5:38
